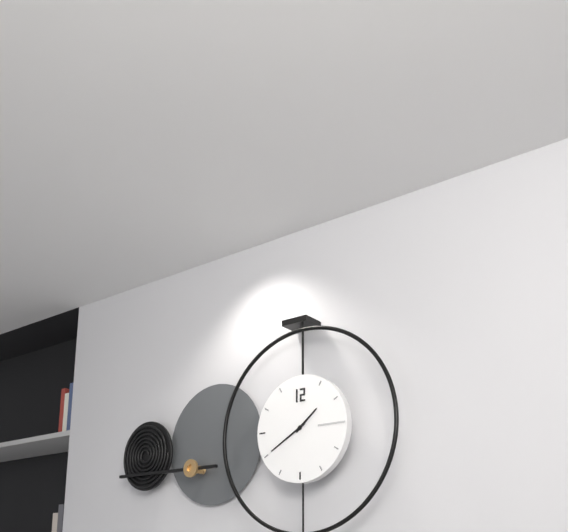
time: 1:40
